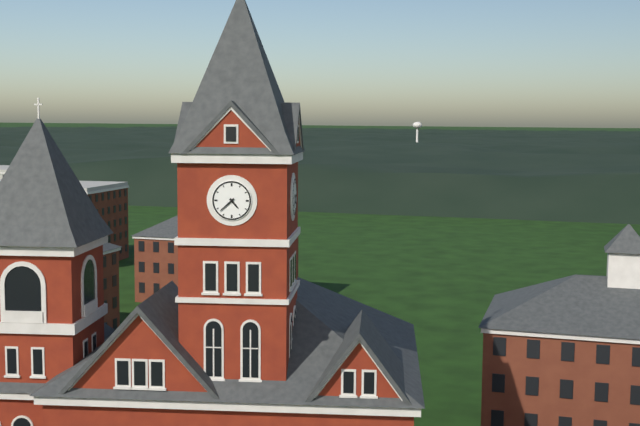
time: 4:38
